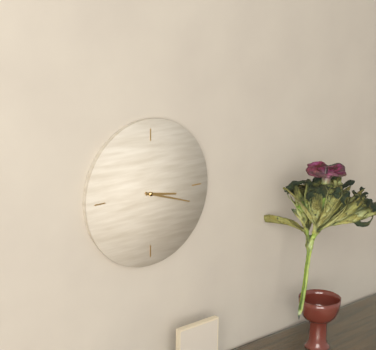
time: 3:18
